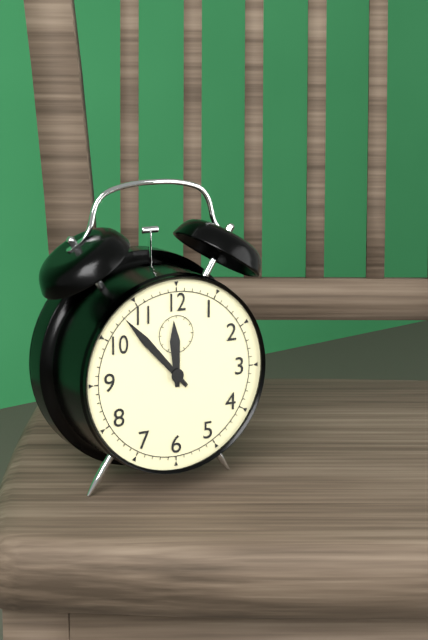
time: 11:53
